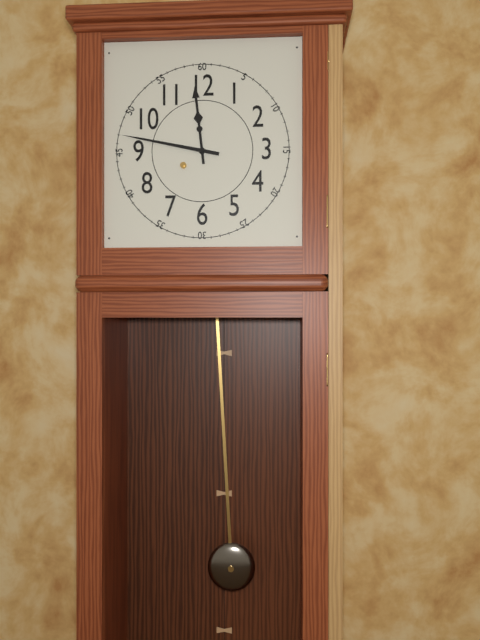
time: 11:47
